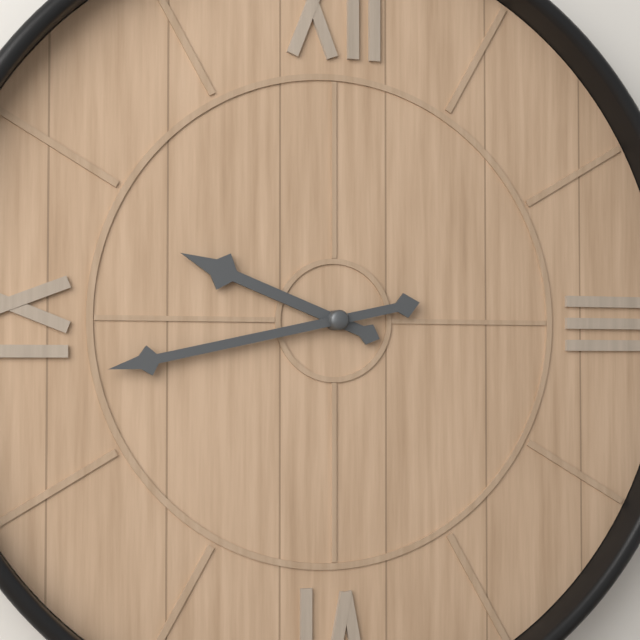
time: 9:43
